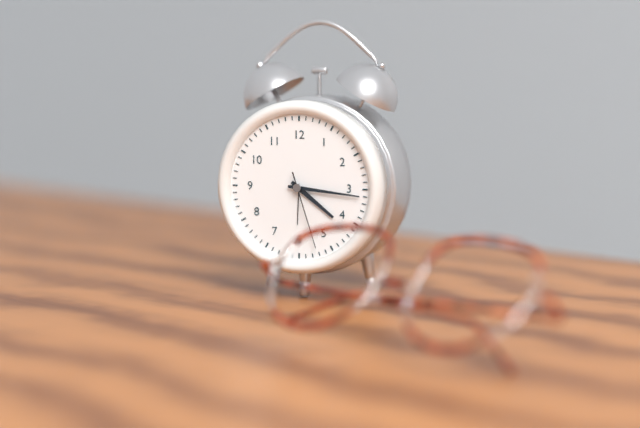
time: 4:16:27
